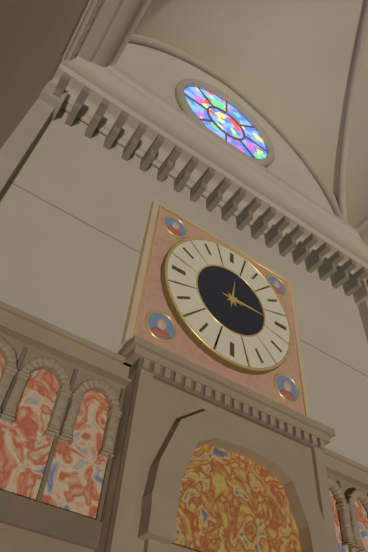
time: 12:15
